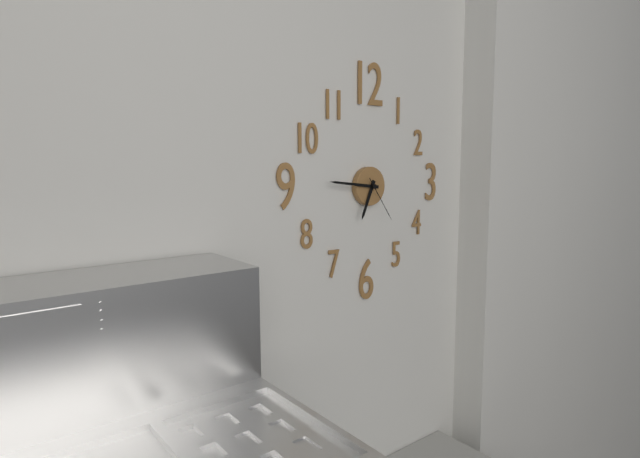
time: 6:46
